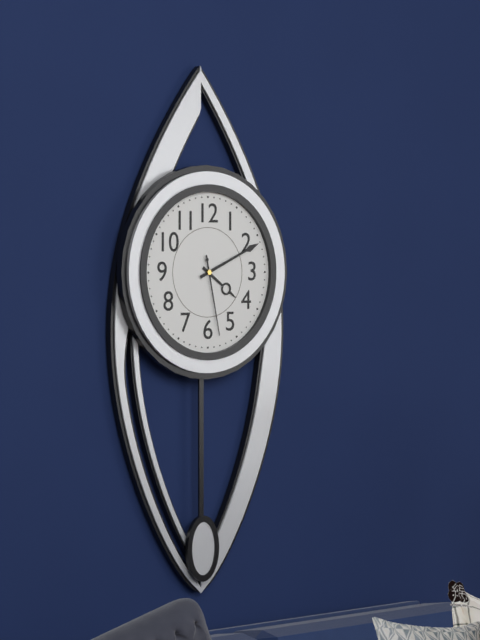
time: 4:11:28
